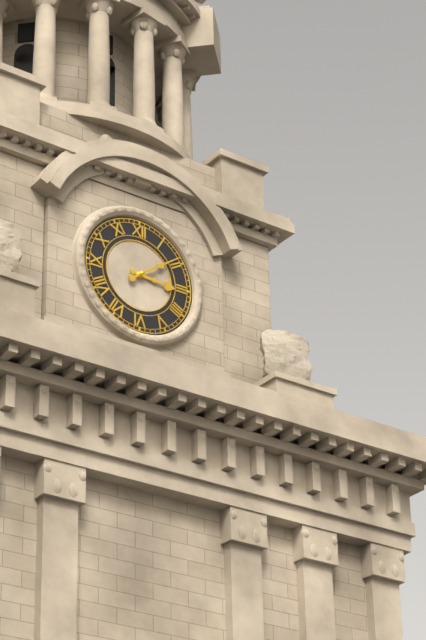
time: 3:09
